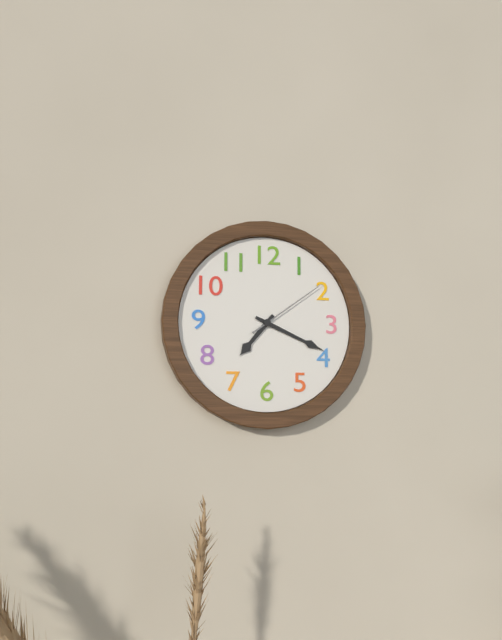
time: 7:19:09
